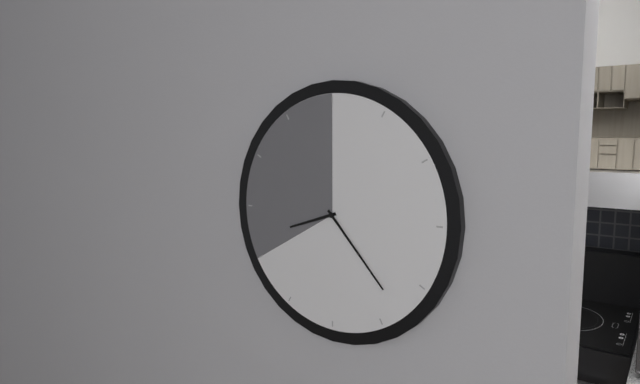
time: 8:23
